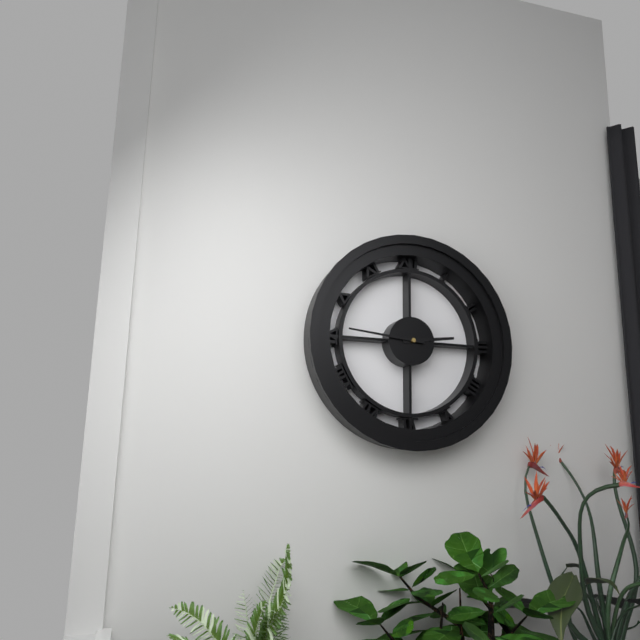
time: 2:46
